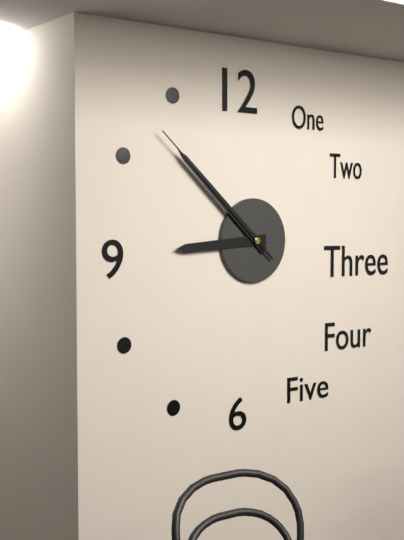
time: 8:52:52
